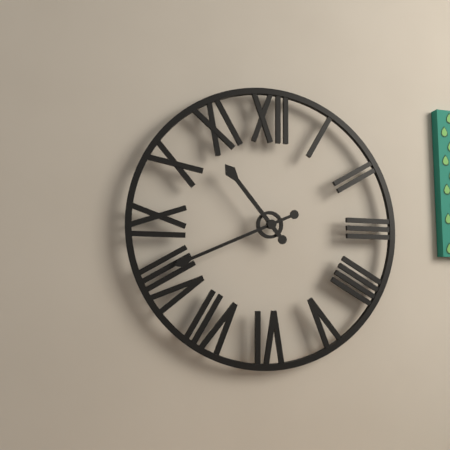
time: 10:41
